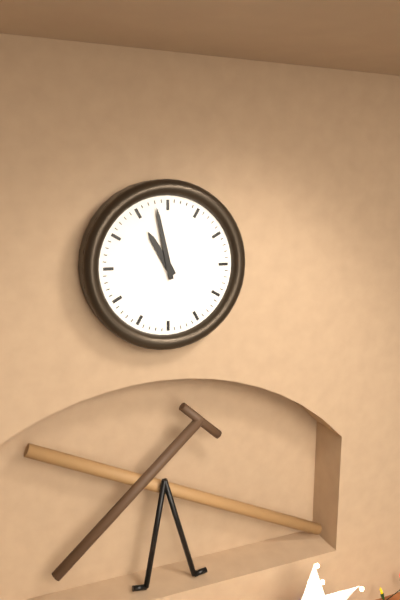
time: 10:58
